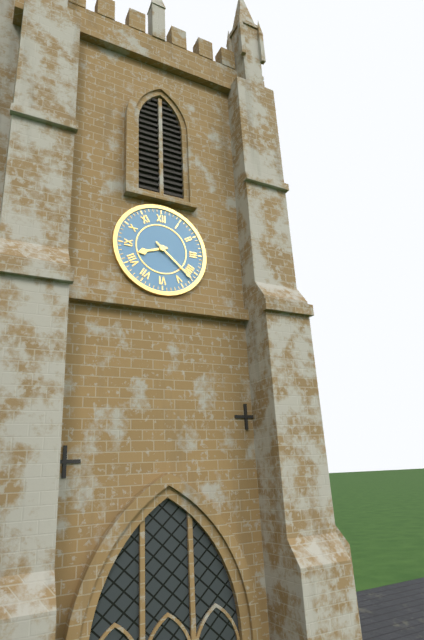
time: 8:22
